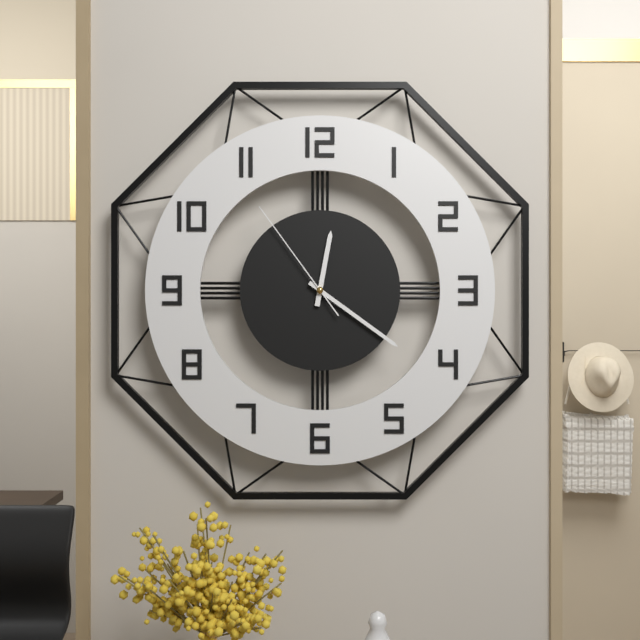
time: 12:21:54
